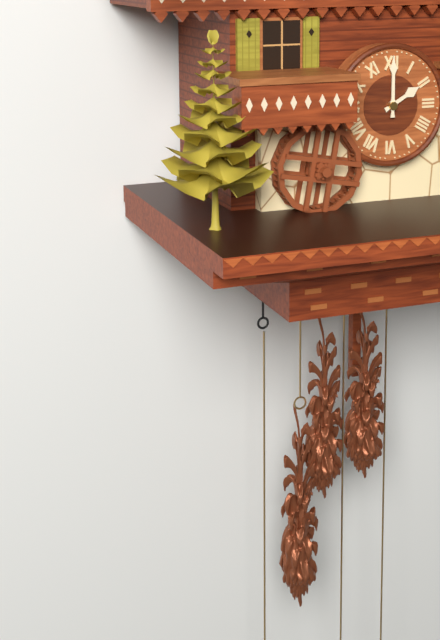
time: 2:00
